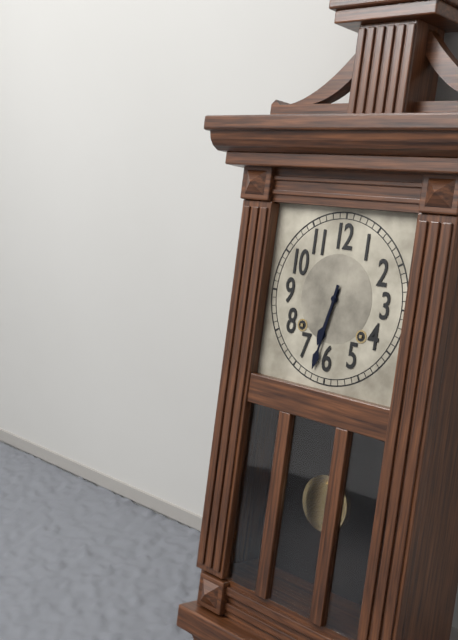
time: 6:32
